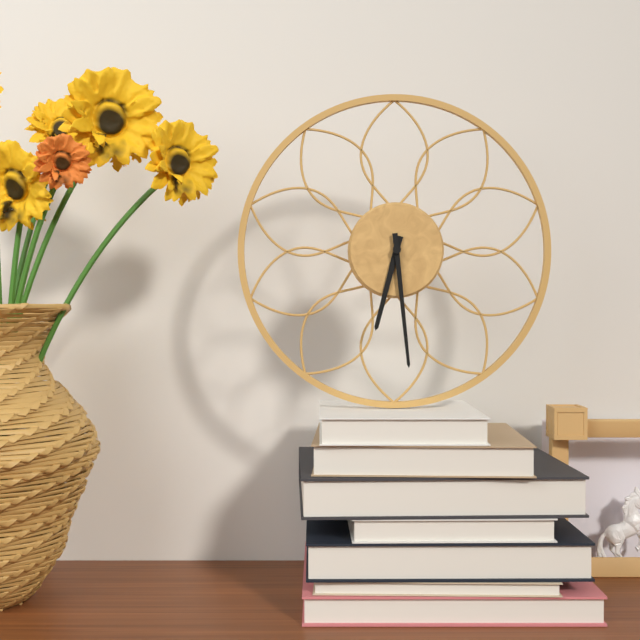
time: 6:29
